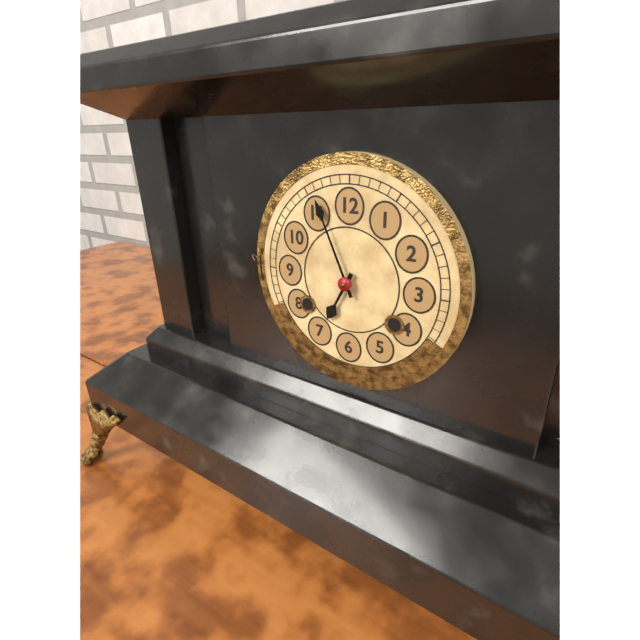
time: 6:56
